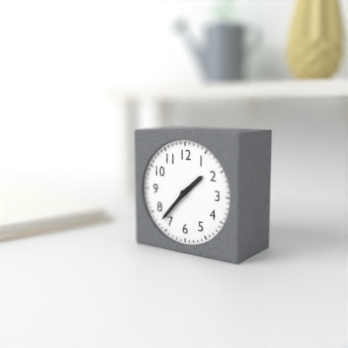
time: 1:37
